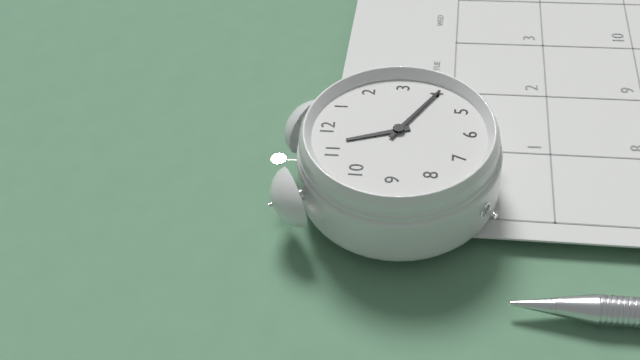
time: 11:20
